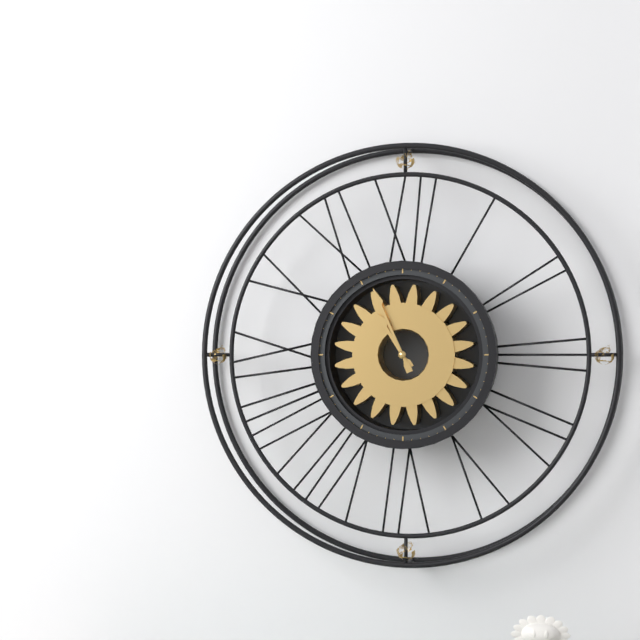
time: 10:56
